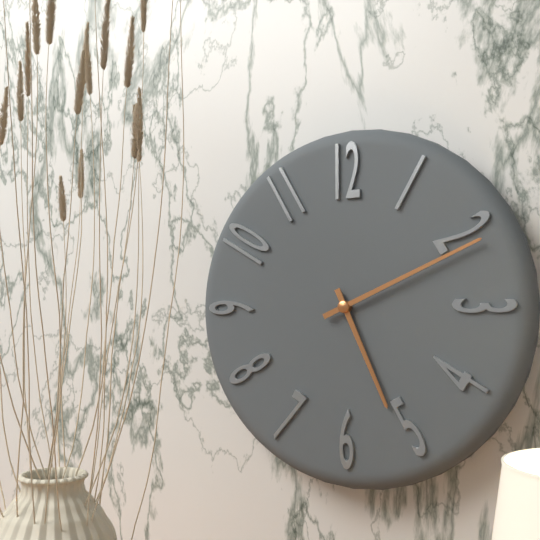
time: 5:11
